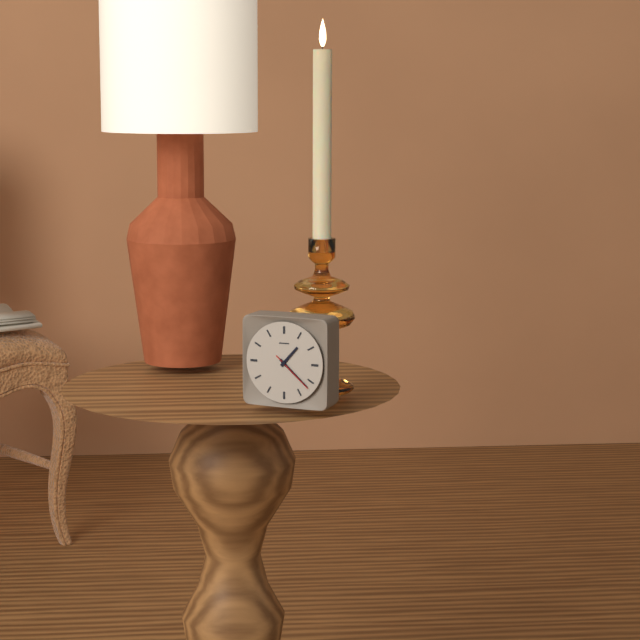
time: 1:22
